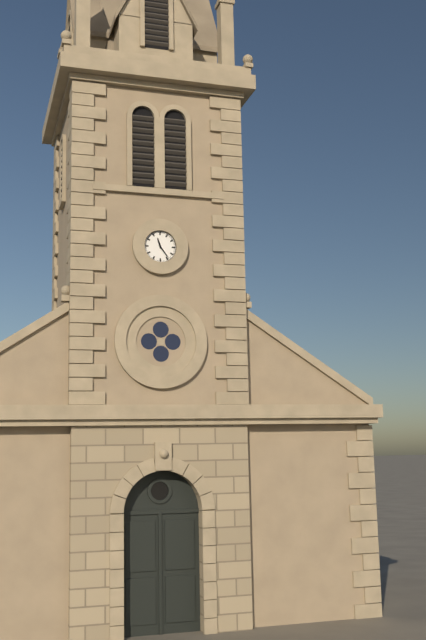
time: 11:24
